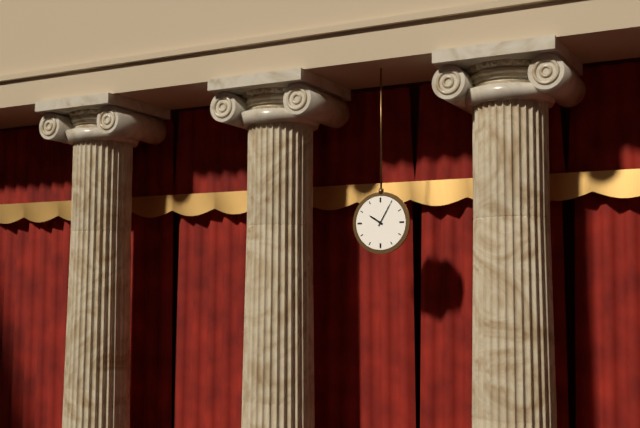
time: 10:05
